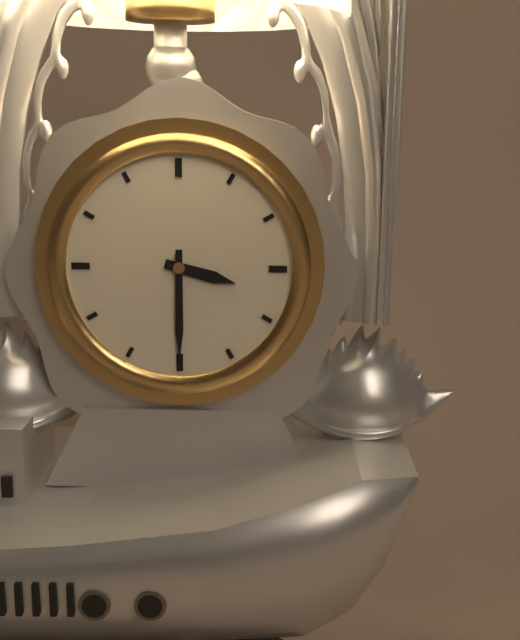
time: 3:30
